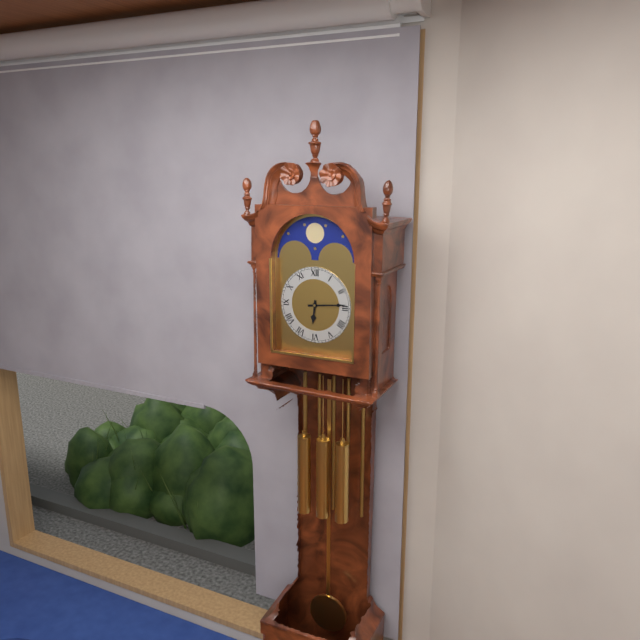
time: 6:14
